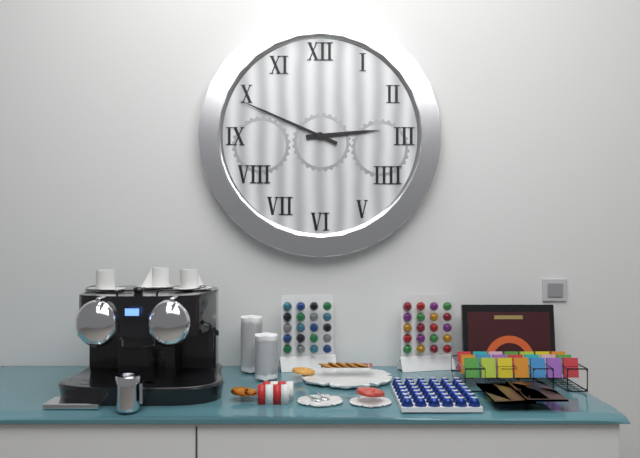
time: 2:49
